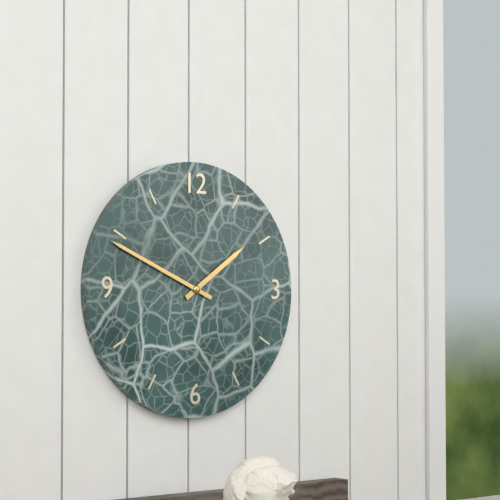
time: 1:49
